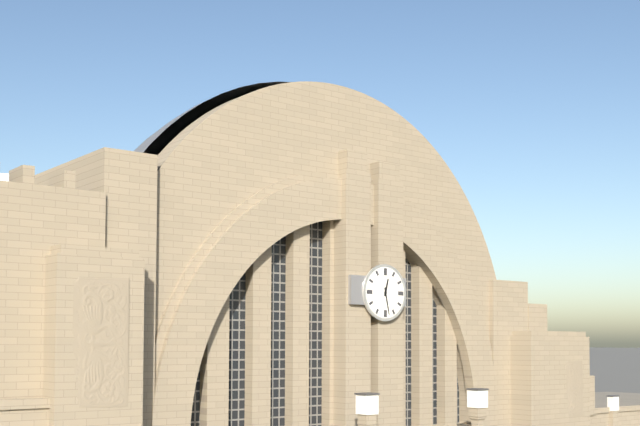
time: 12:28
